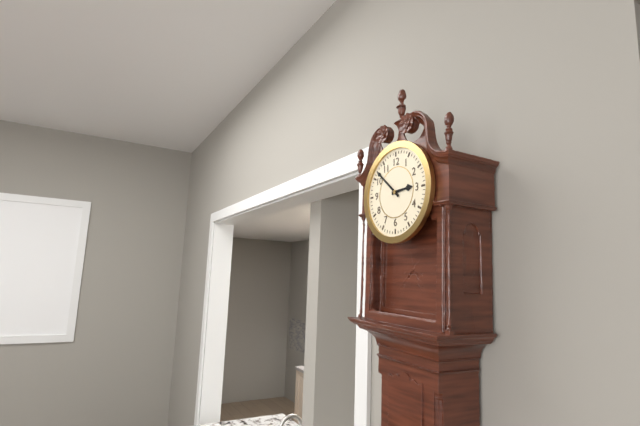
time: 2:52
